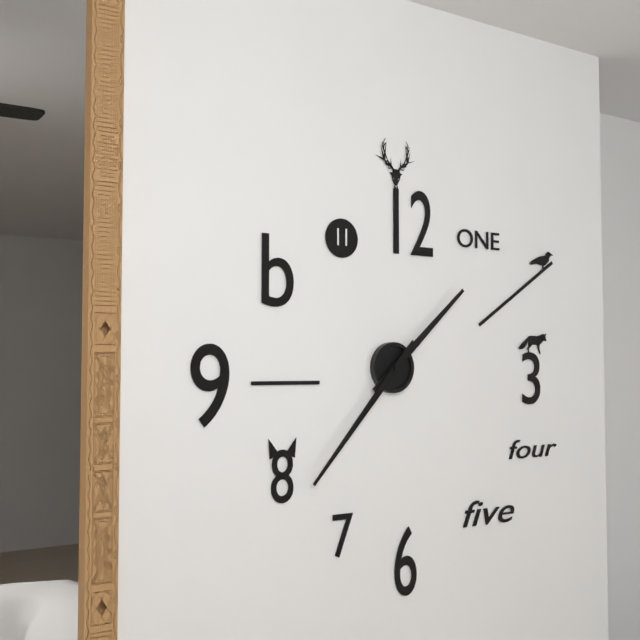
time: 1:37
